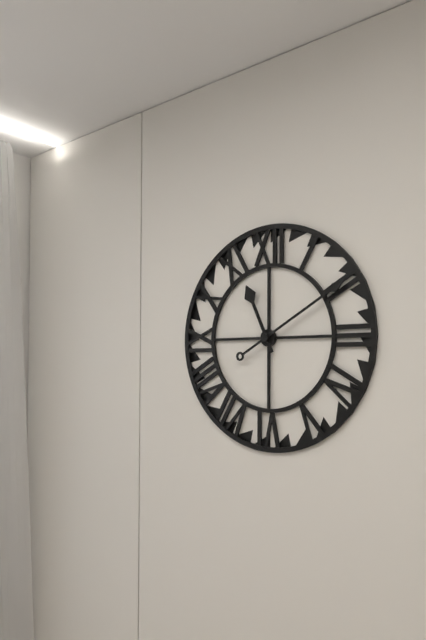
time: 11:10
